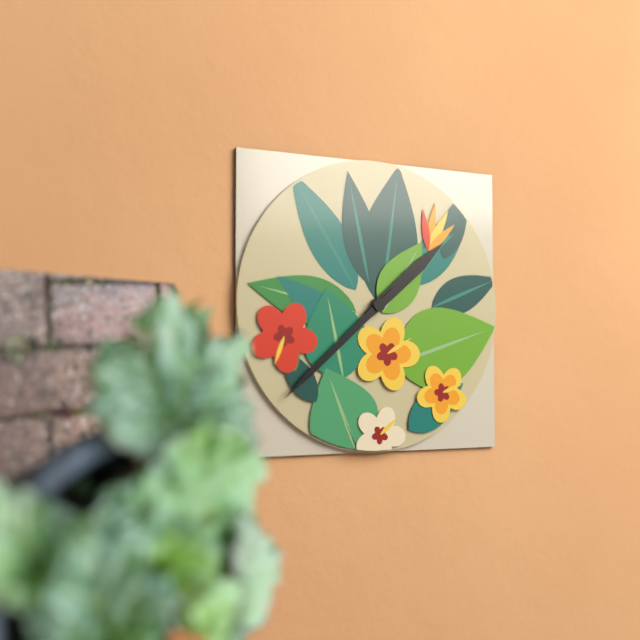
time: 1:38
